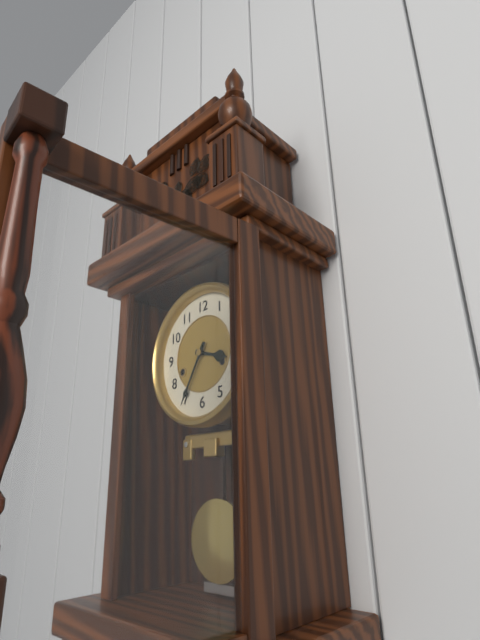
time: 3:35
